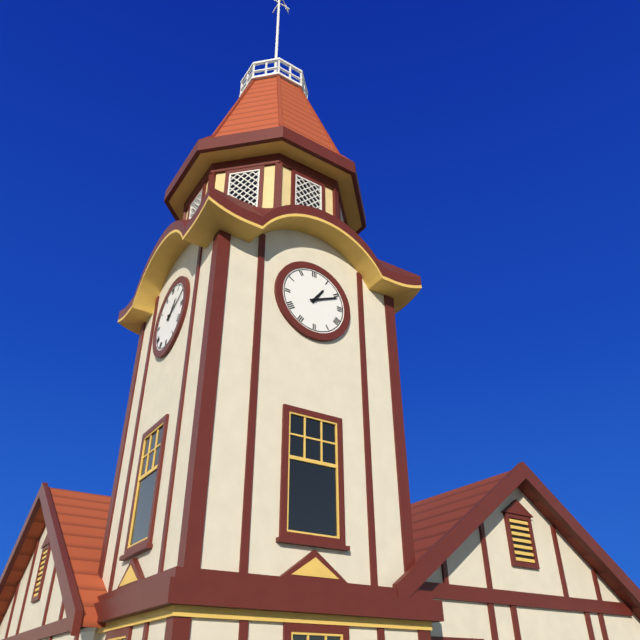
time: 1:11
